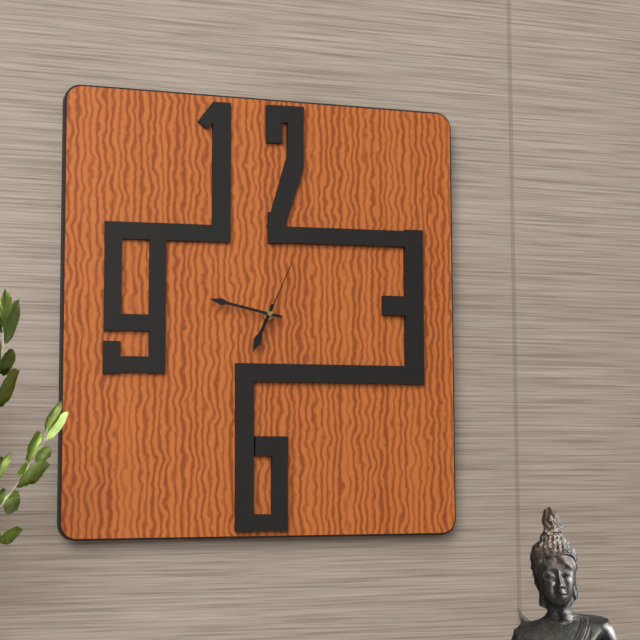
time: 6:47:04
